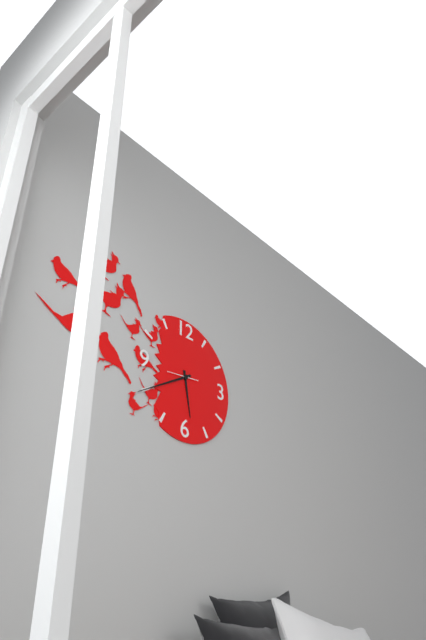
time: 5:40
